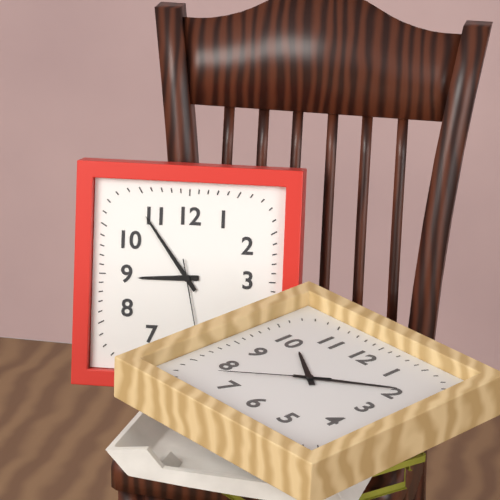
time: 8:54:28
